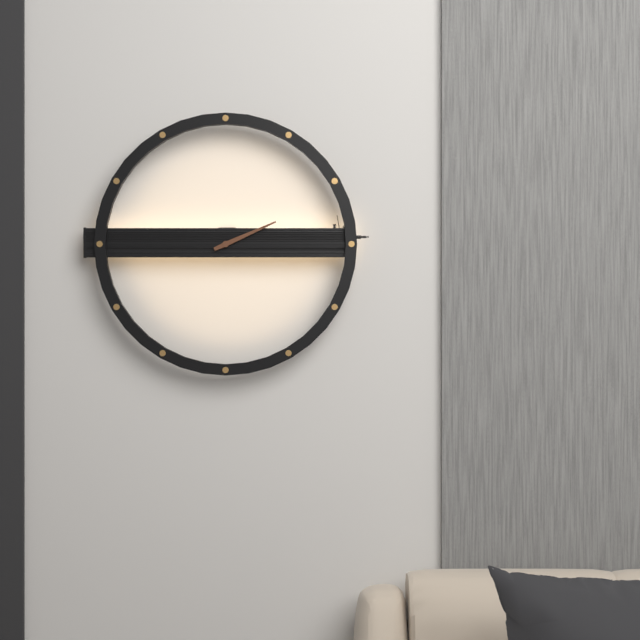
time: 2:11
